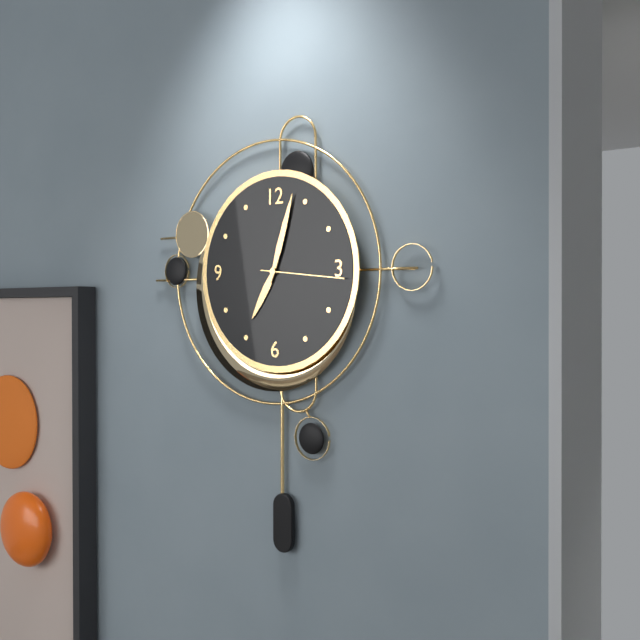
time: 7:03:16
